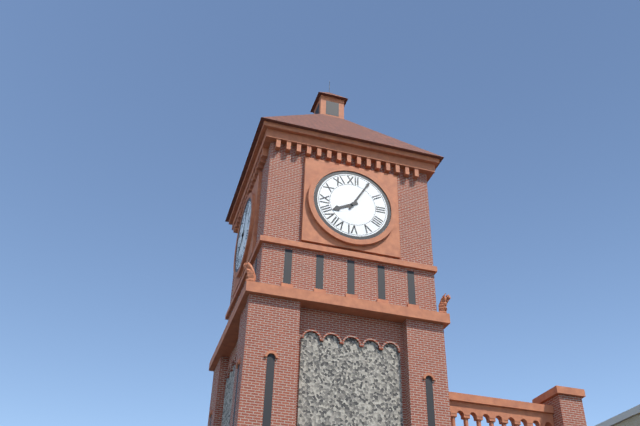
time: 8:05
